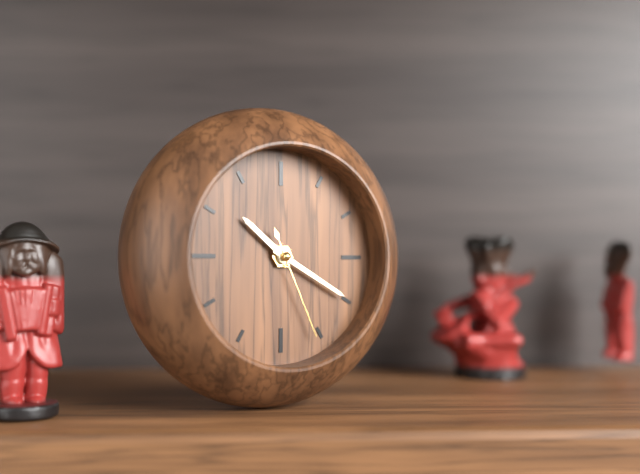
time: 10:20:26
